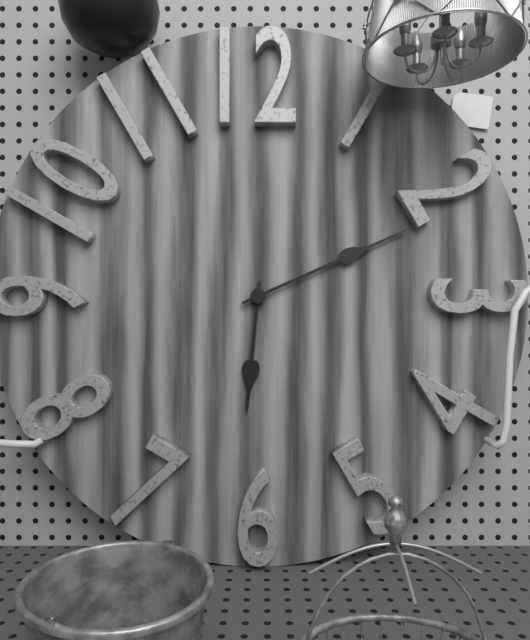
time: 6:11
